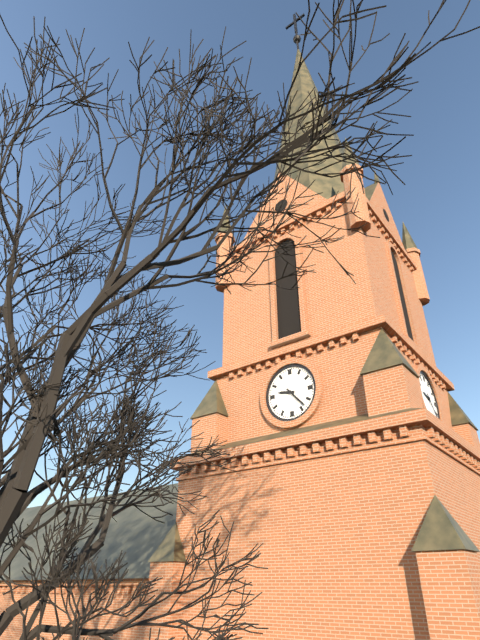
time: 9:23
